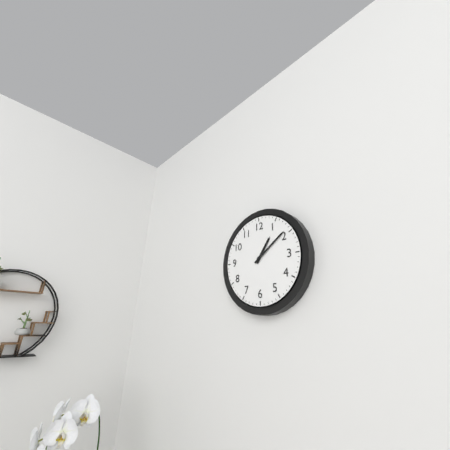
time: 1:09
